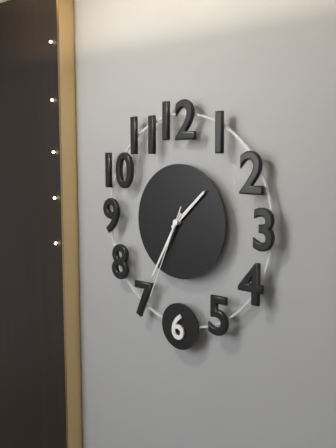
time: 1:35:34
